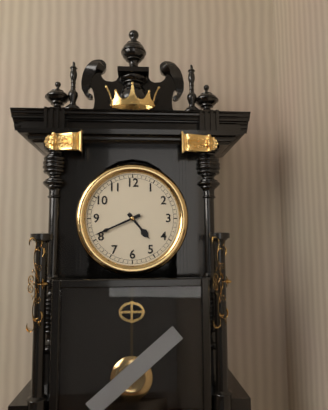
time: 4:41
